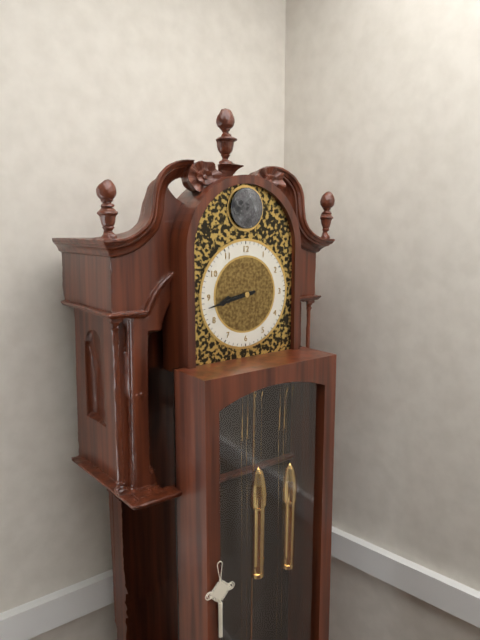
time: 8:43
